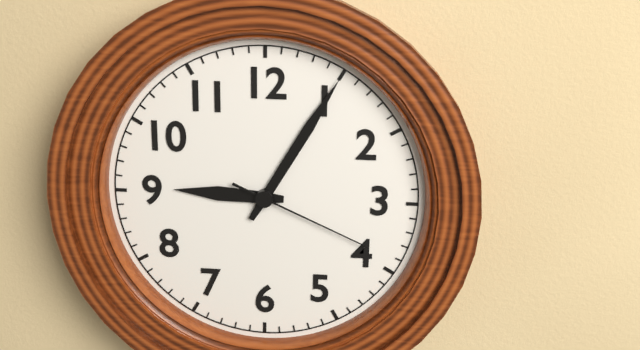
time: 9:05:19
